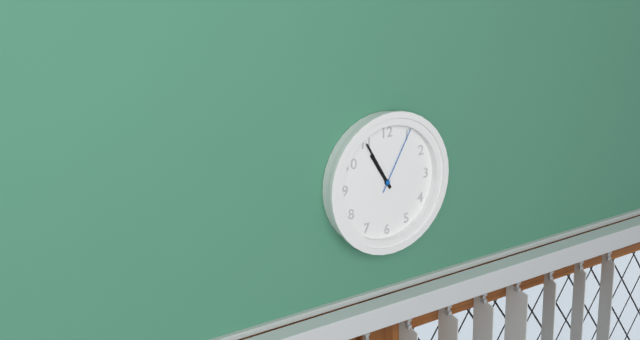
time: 10:55:05
